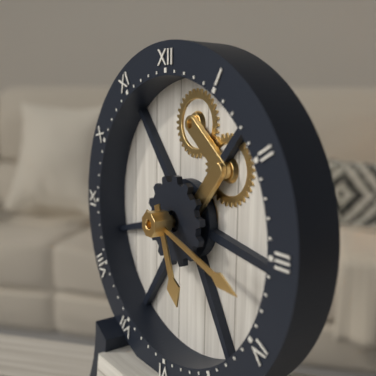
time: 5:18
